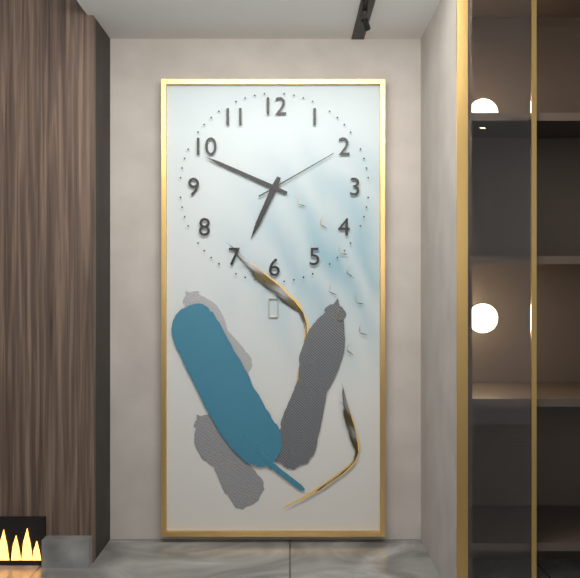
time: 6:49:10
